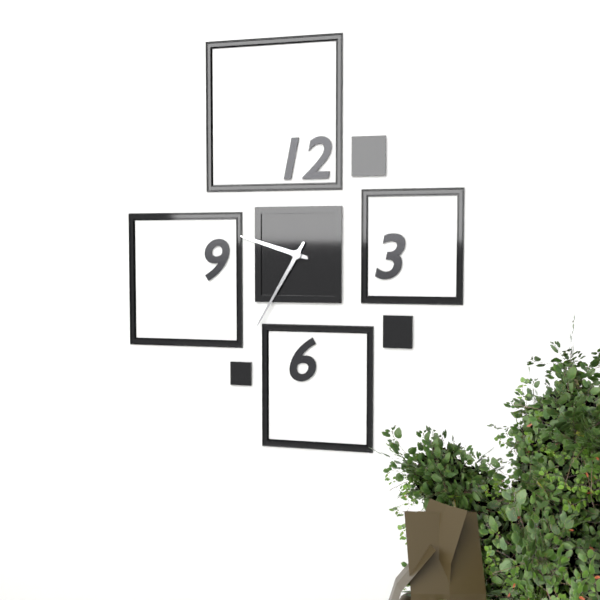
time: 9:35
